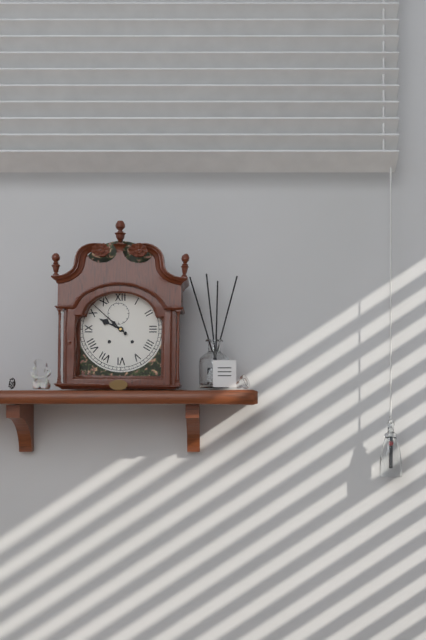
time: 9:52
